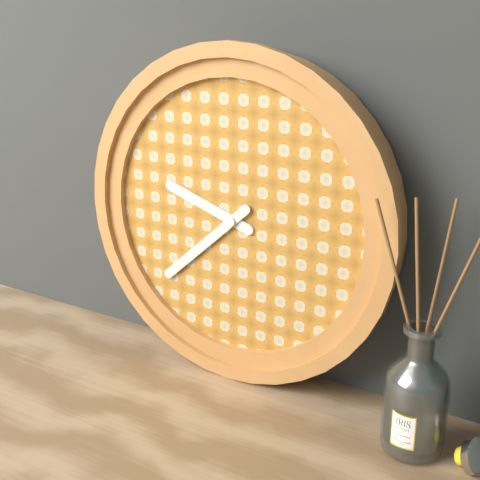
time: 9:38
